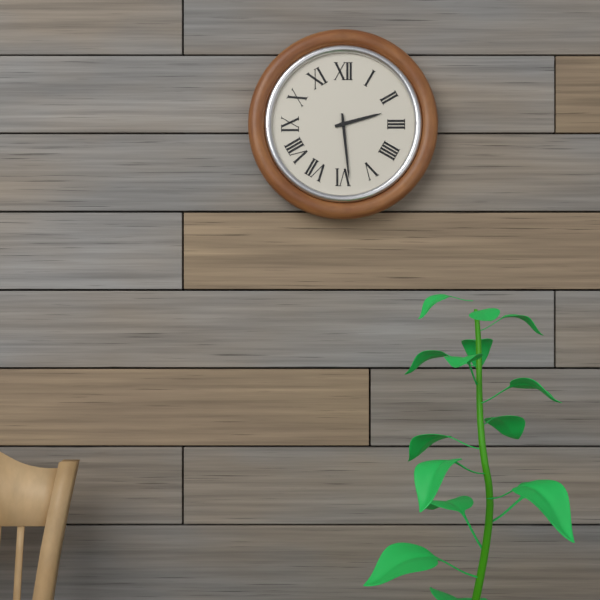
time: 2:29
